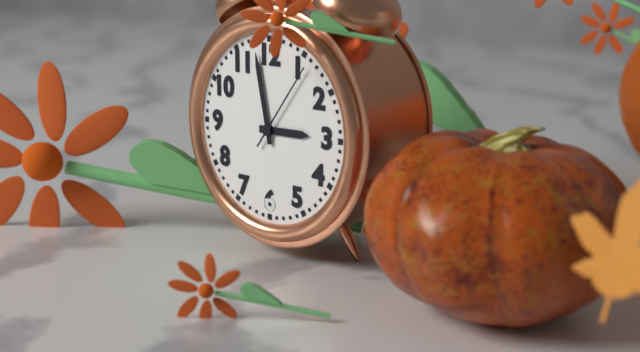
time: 2:58:06
